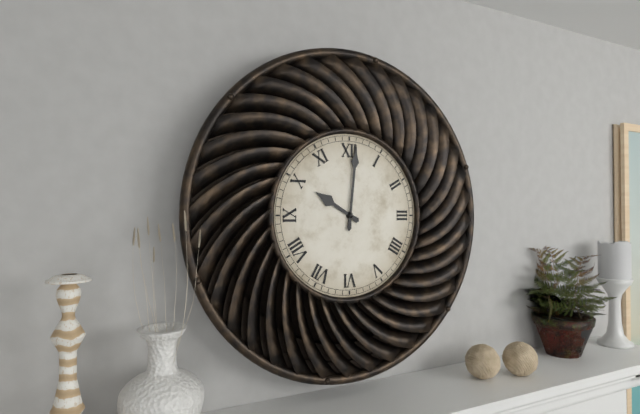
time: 10:01
